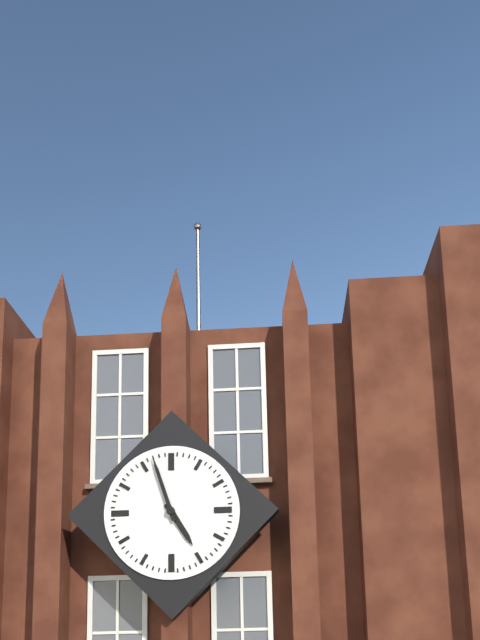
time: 4:57
